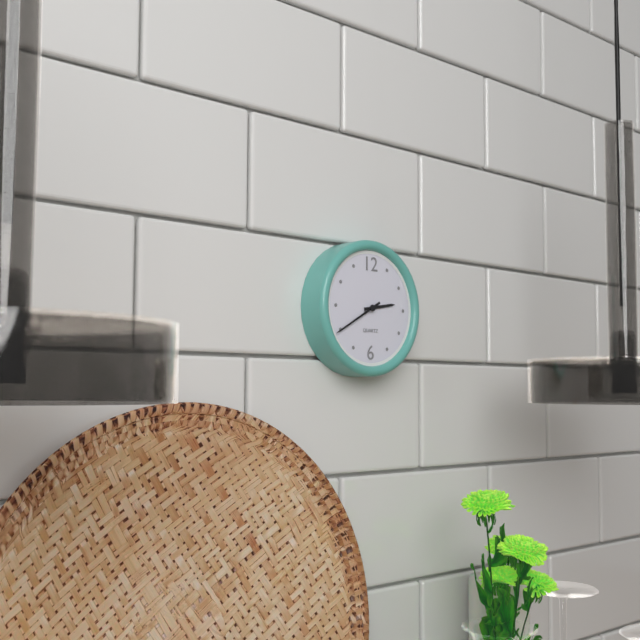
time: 2:40
